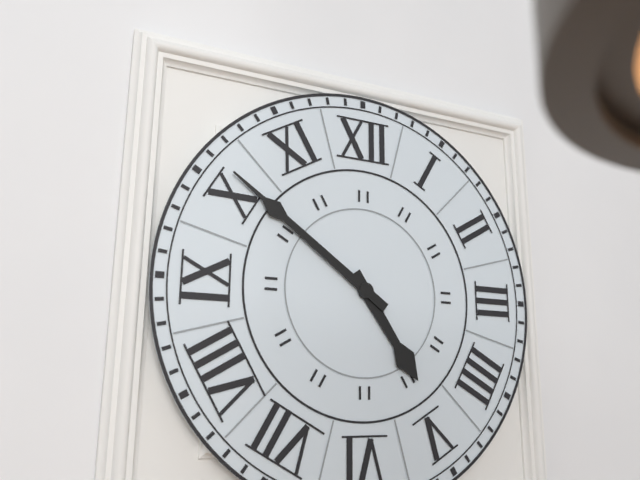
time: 4:51
